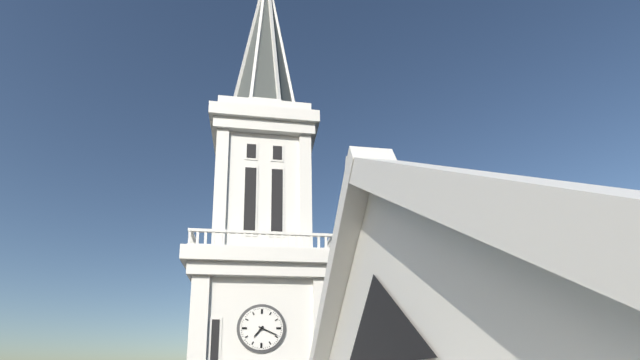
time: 7:19
